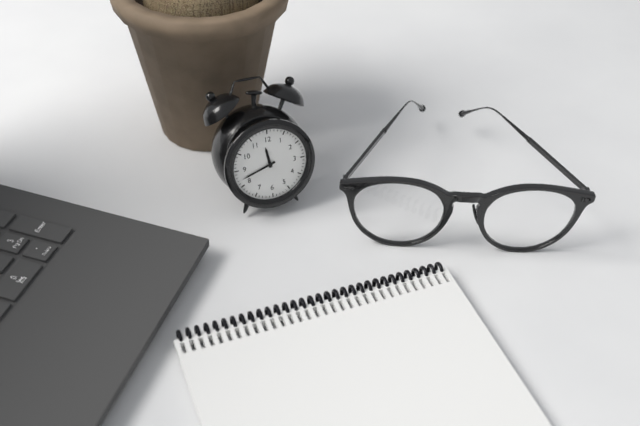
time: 11:42
